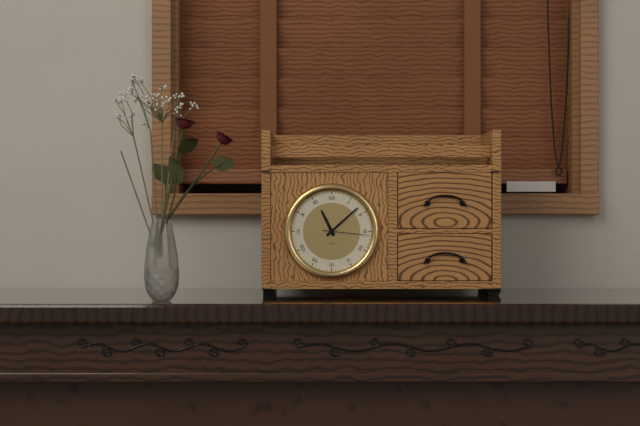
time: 11:08
